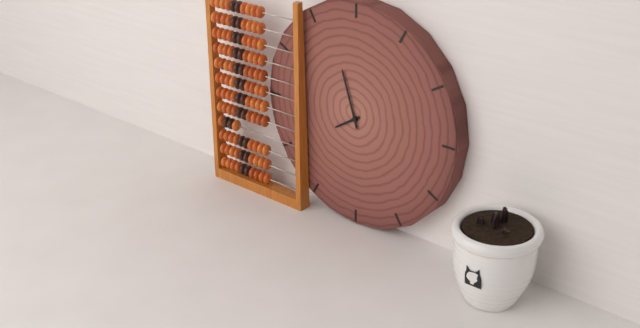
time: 7:57
